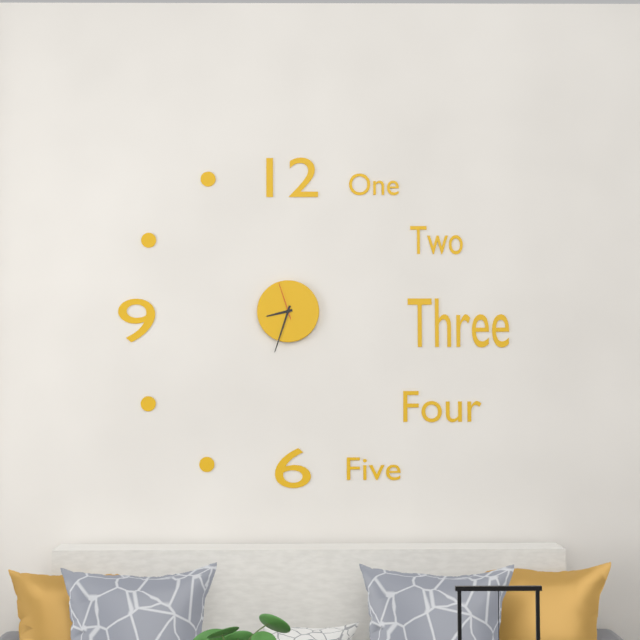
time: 8:33
